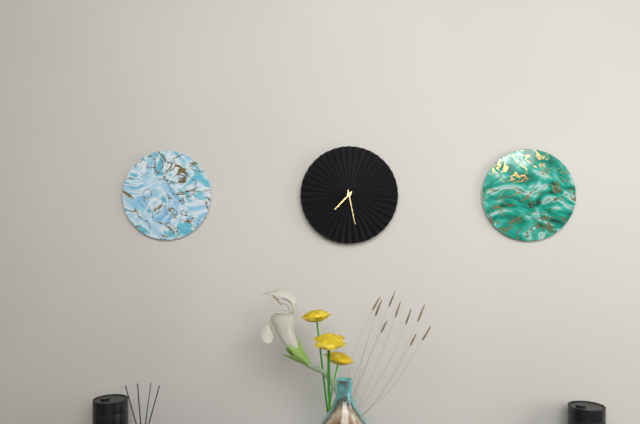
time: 7:28
